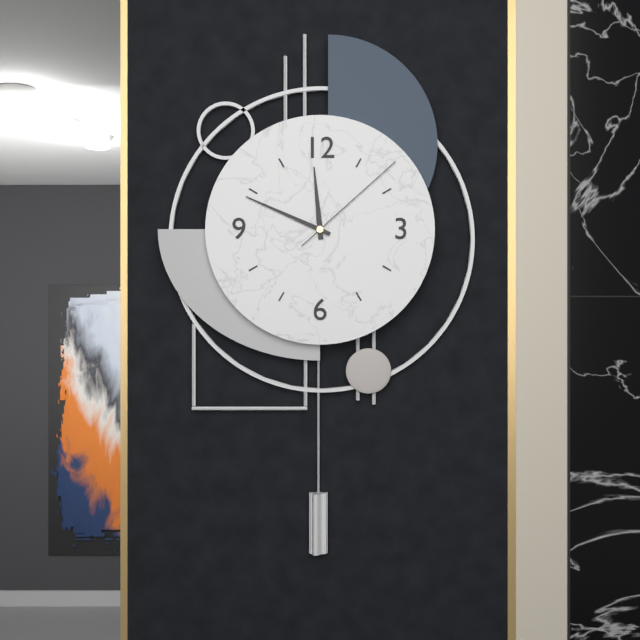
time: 11:49:08
